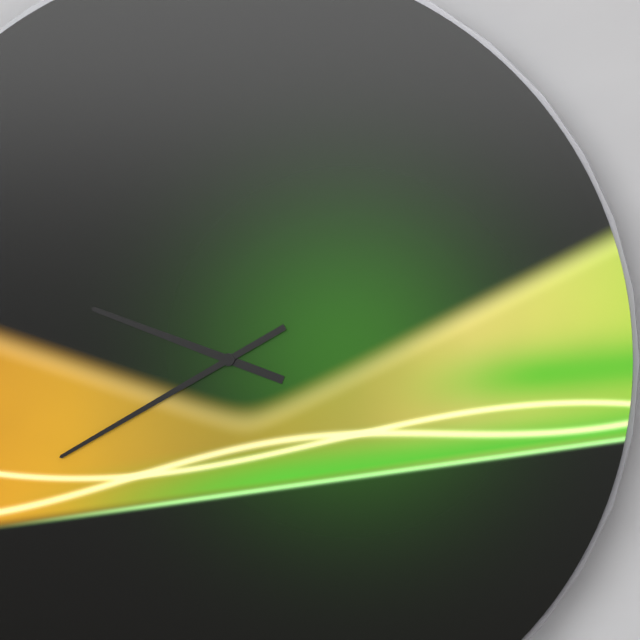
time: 9:40
